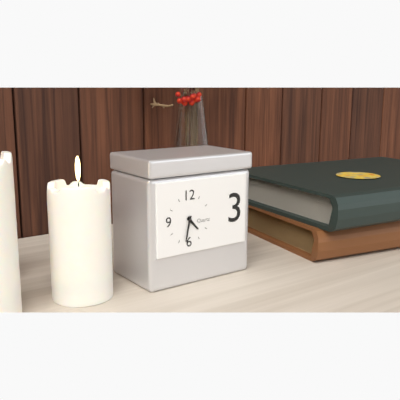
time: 4:32
